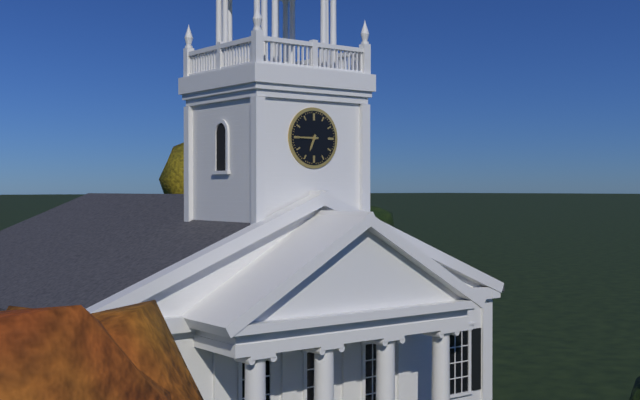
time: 6:45
